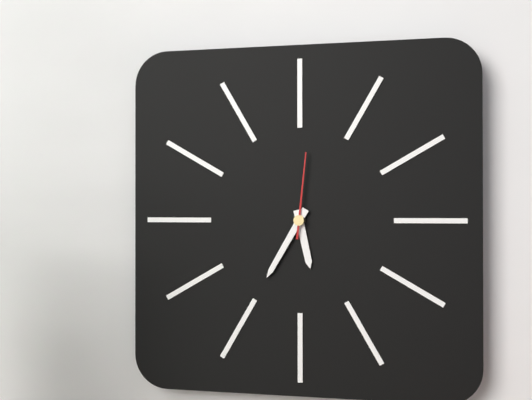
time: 5:35:01
